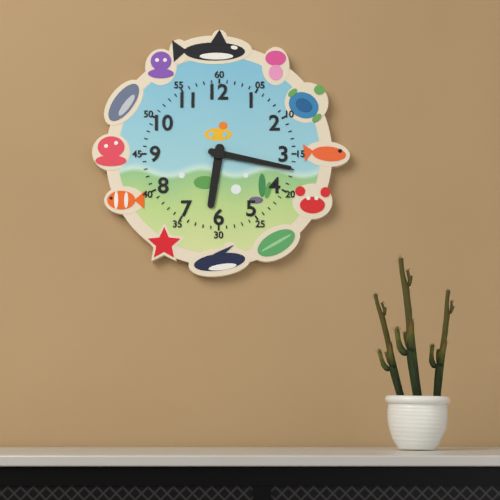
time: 6:17
